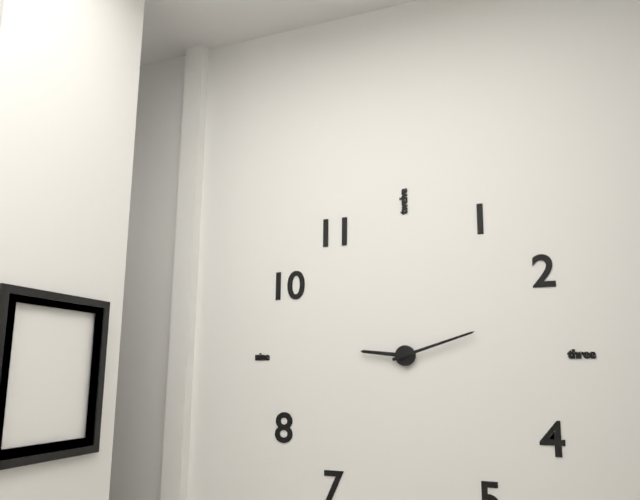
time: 9:12
